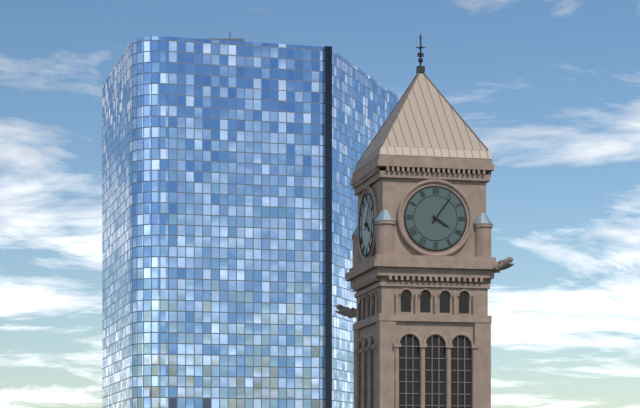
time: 4:06
